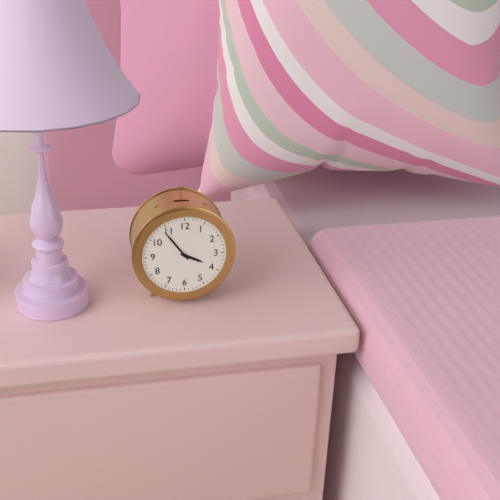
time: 3:54
